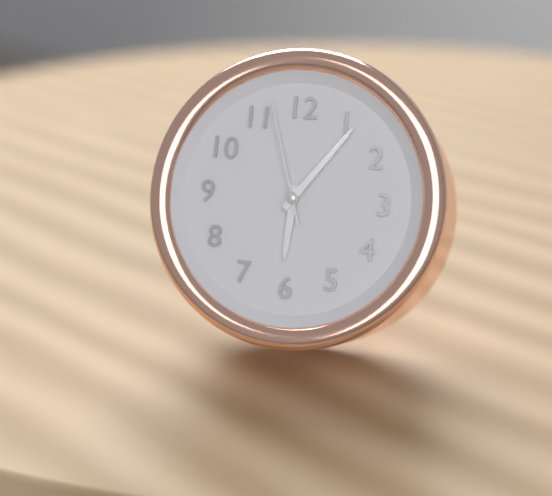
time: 6:06:57
